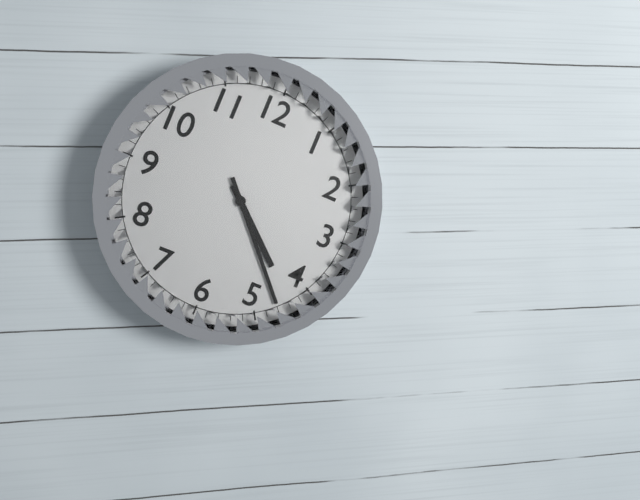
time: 4:23
